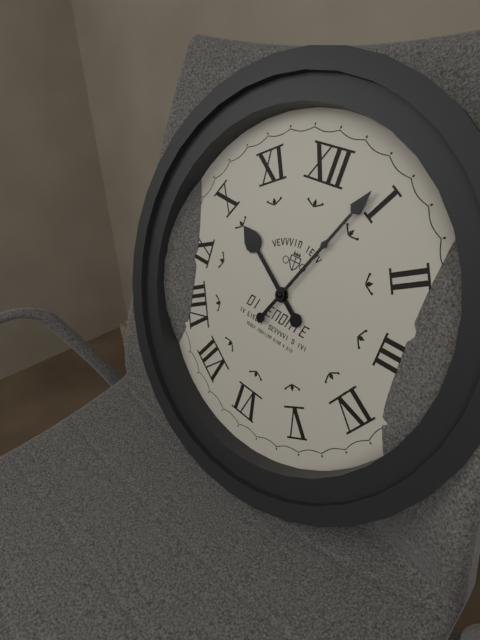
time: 10:04
